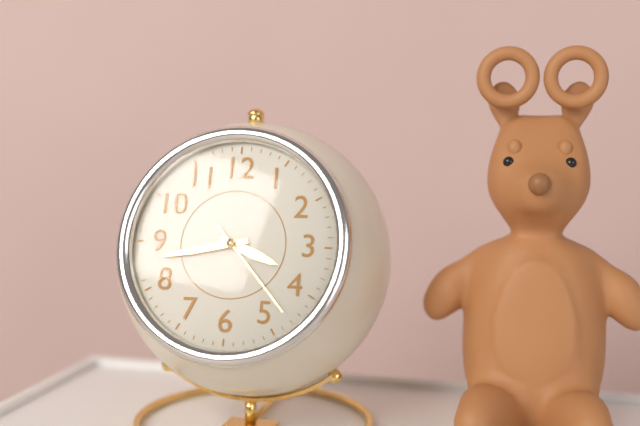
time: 3:43:23
